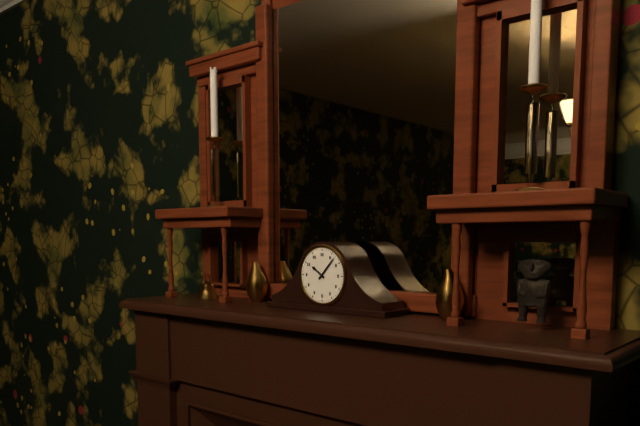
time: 10:07
